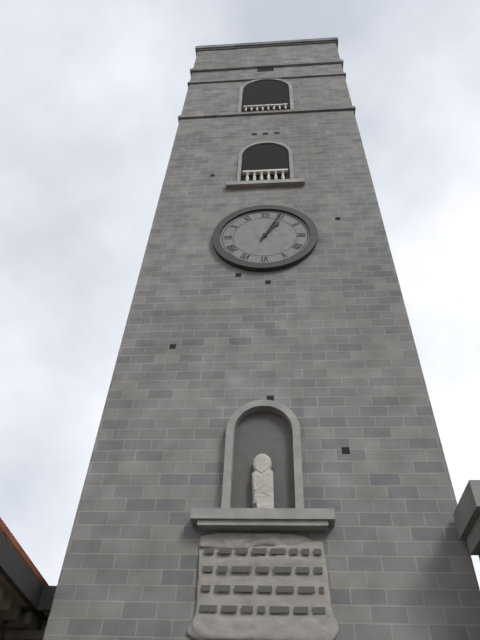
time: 1:04
